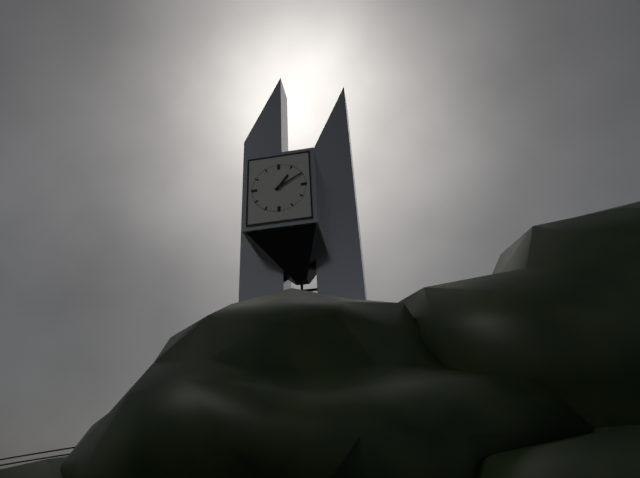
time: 1:10
